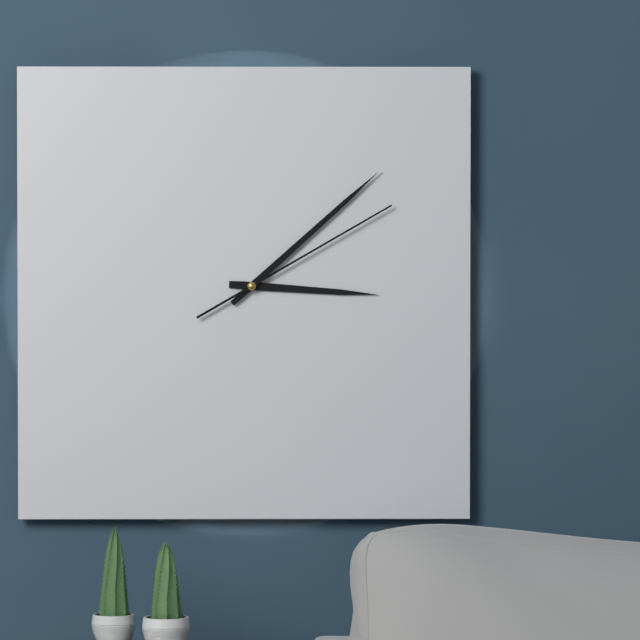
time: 3:08:10
